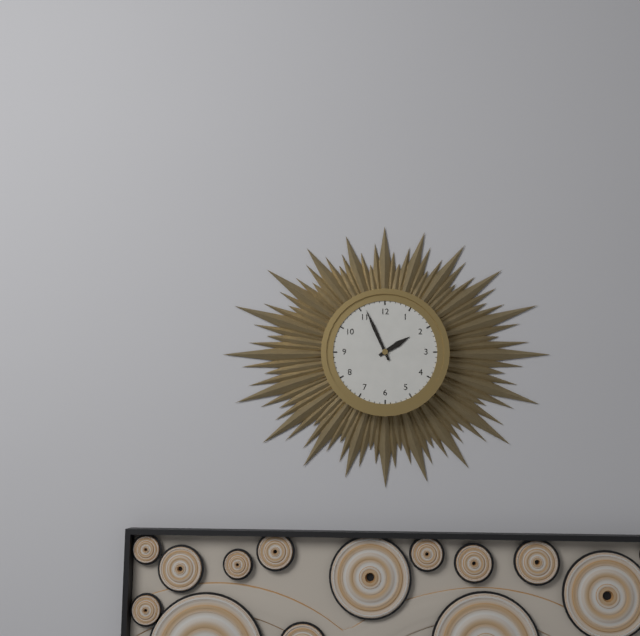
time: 1:56
